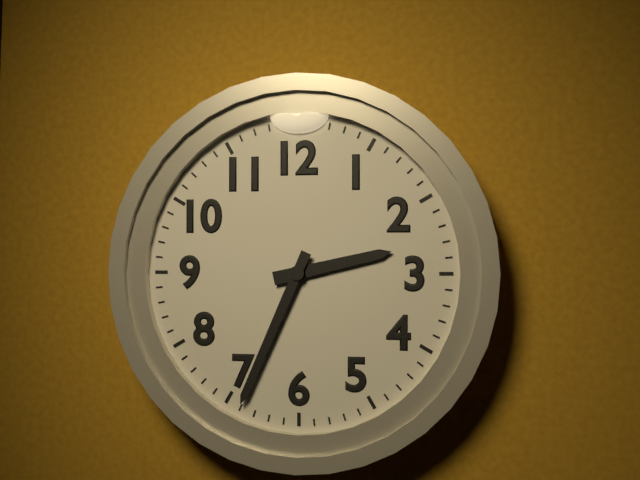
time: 2:34
